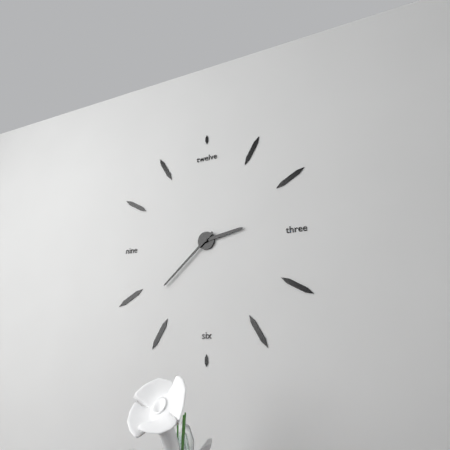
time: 2:38
